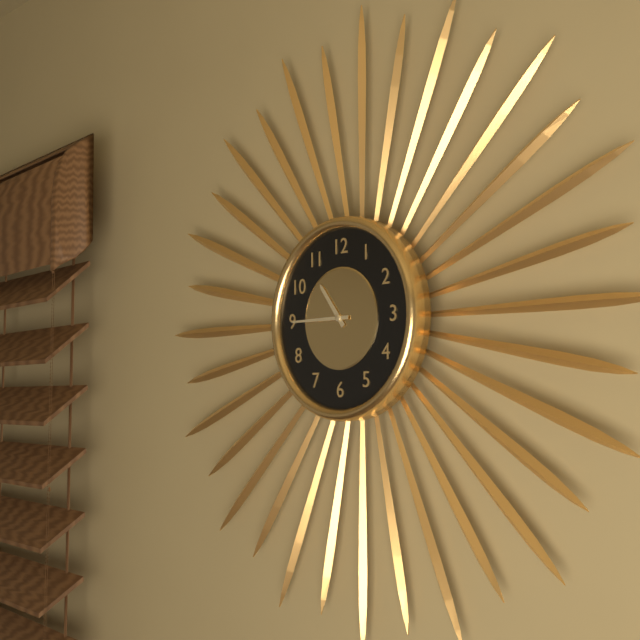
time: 10:45
